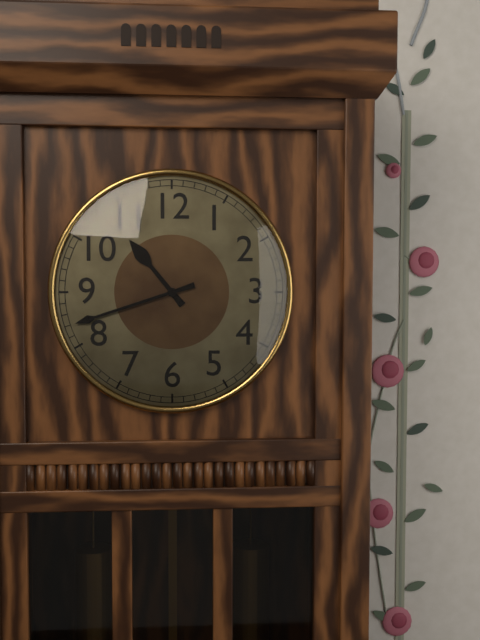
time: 10:42
